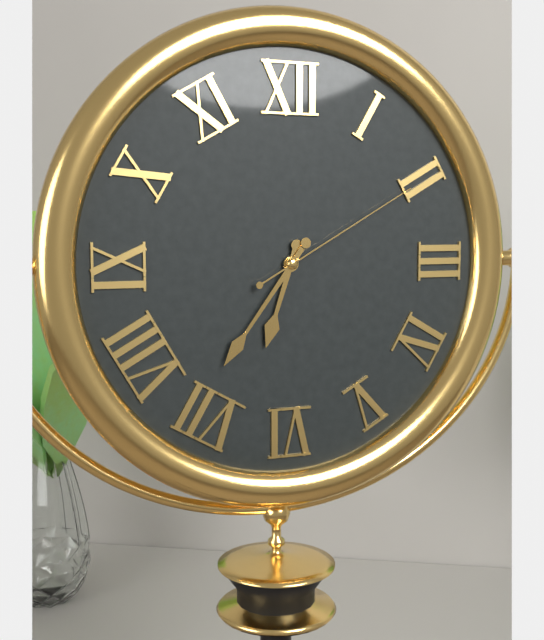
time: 6:36:10
